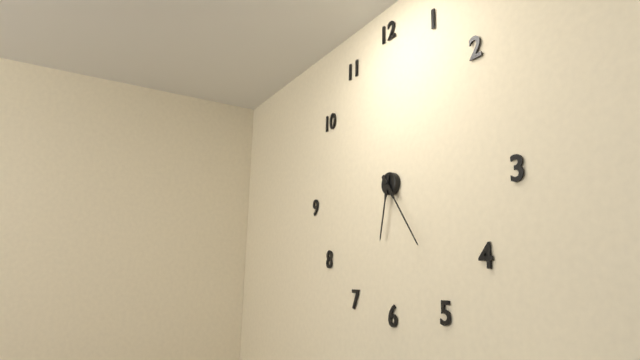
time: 6:24
